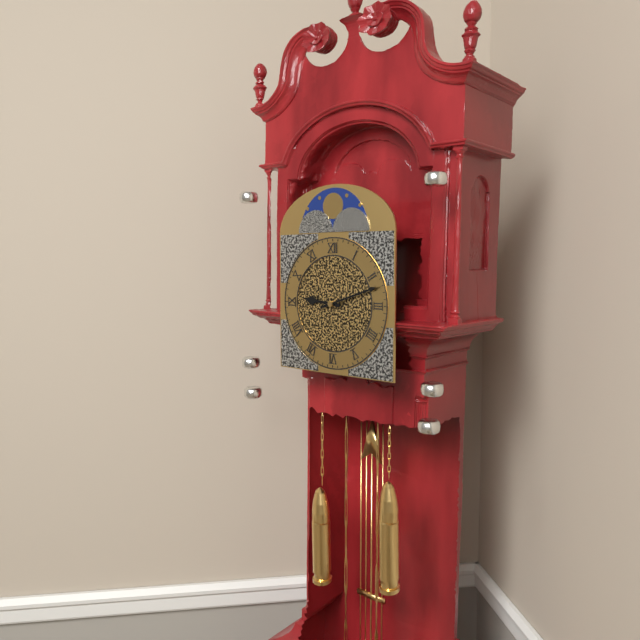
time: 9:12
